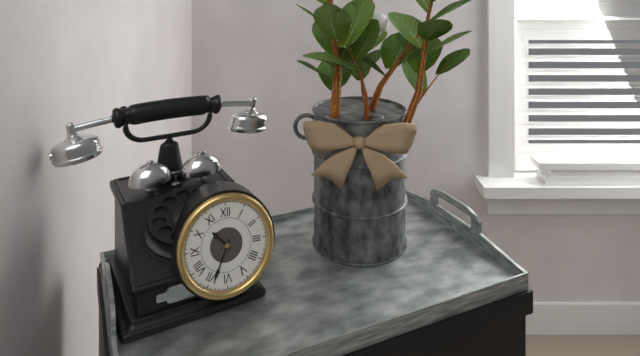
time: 10:34
